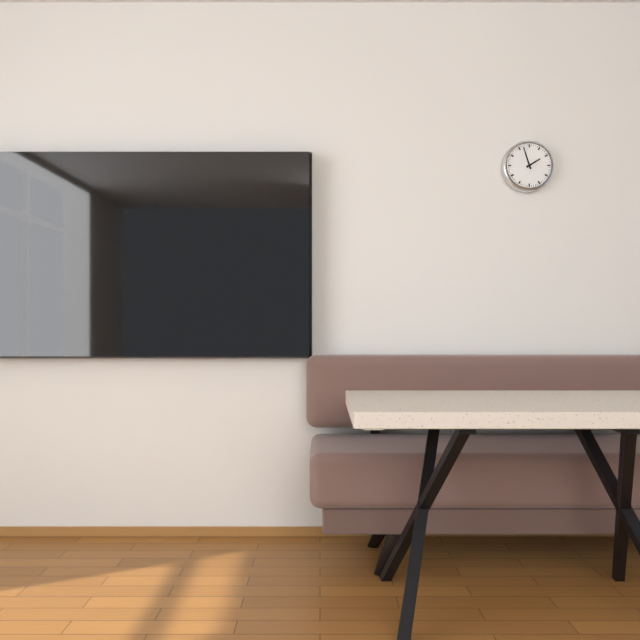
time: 1:57
